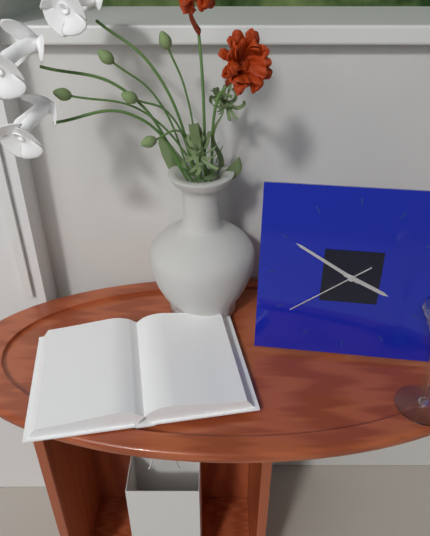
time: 3:50:39
